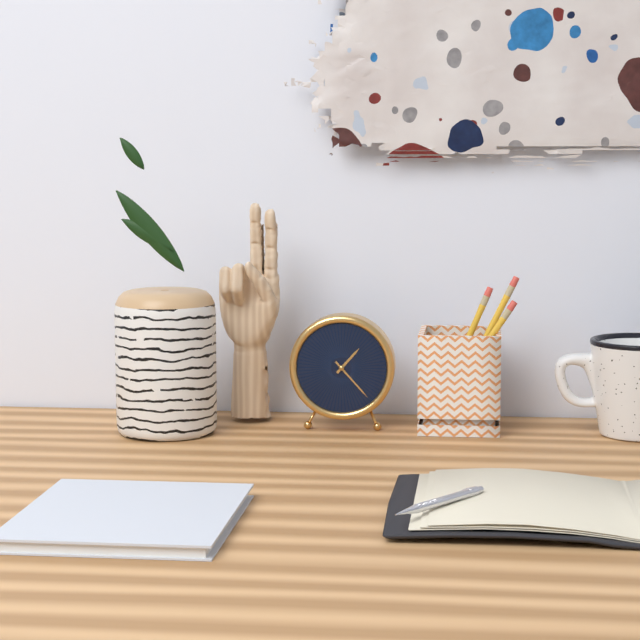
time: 1:23
